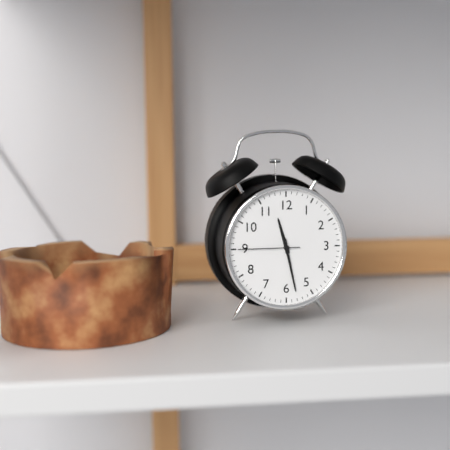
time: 11:28:45
